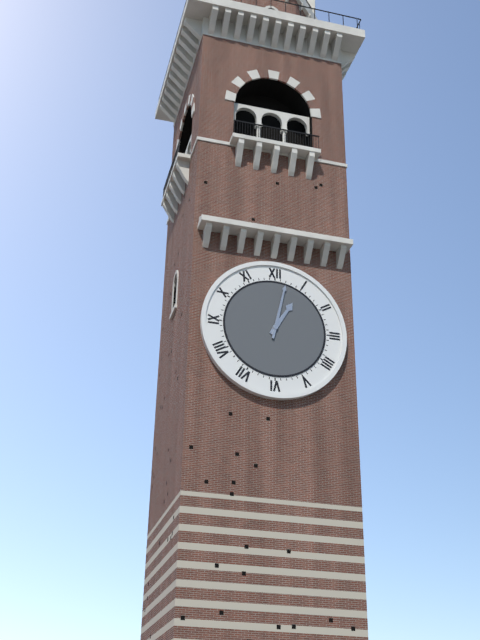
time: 1:02
